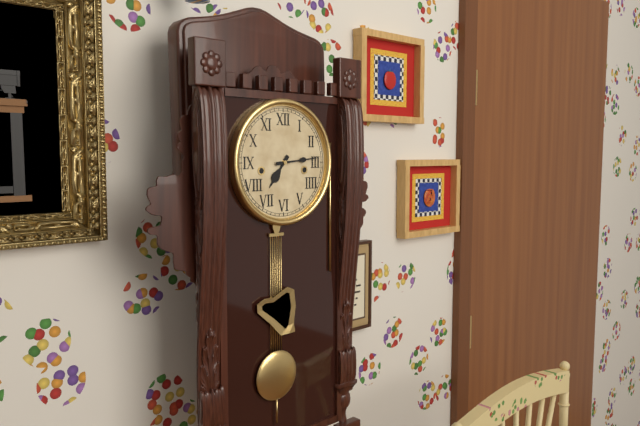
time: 7:14
